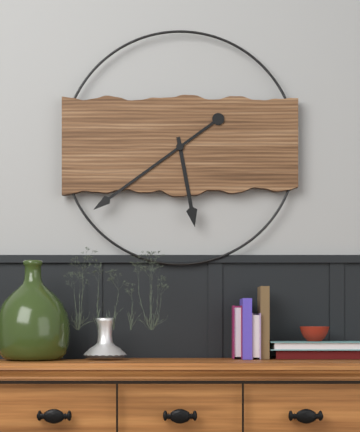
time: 5:39
